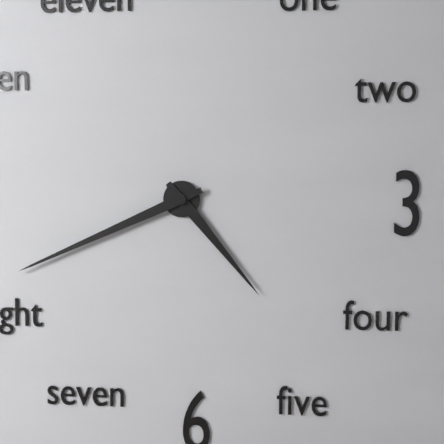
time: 4:41
